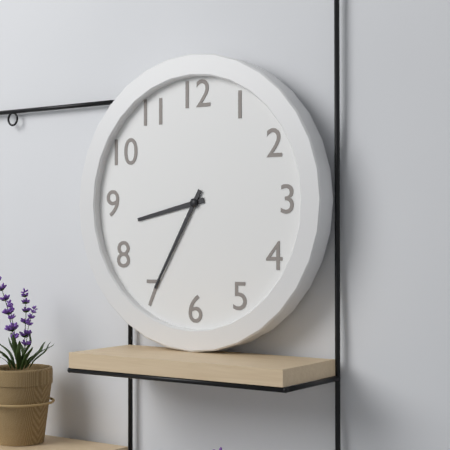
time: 8:35
